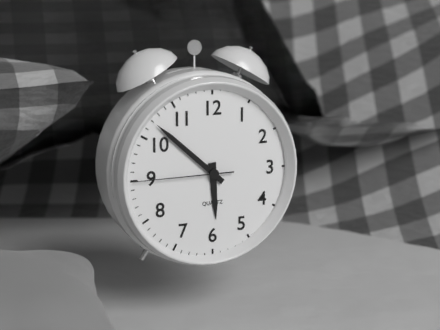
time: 5:52:45
